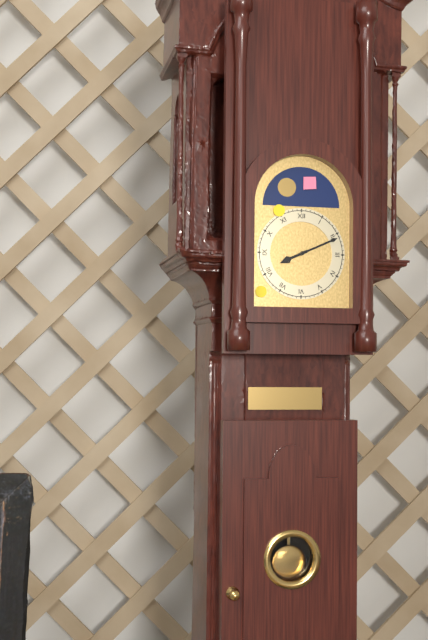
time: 8:11
